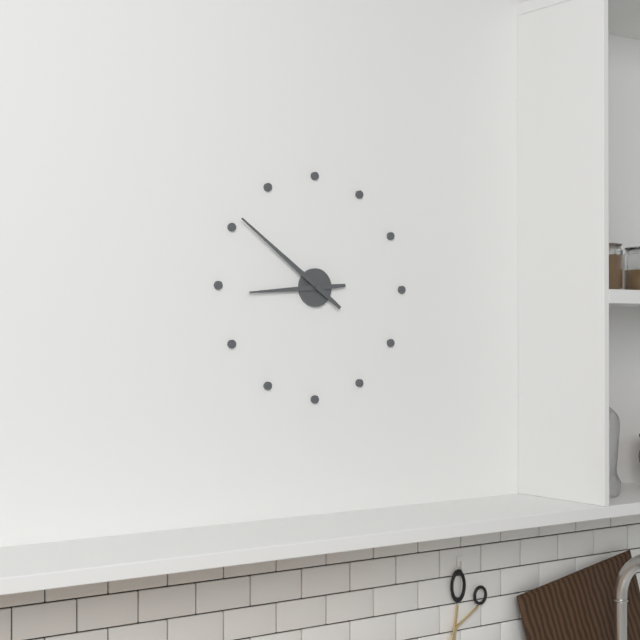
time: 8:51
